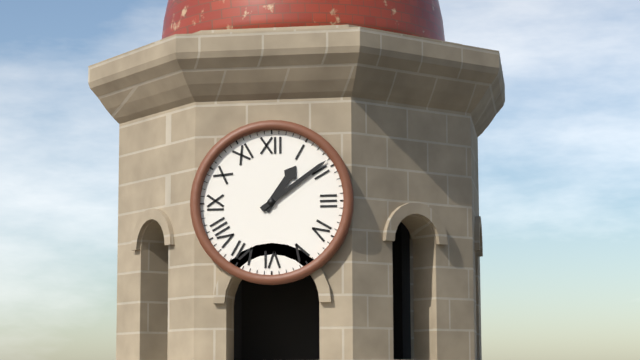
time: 1:09
